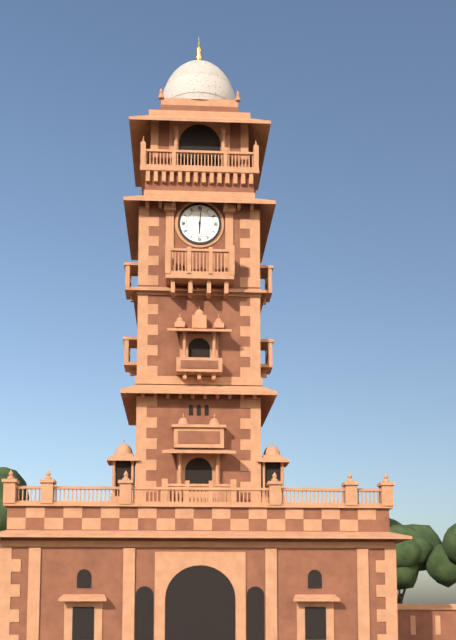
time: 6:01
